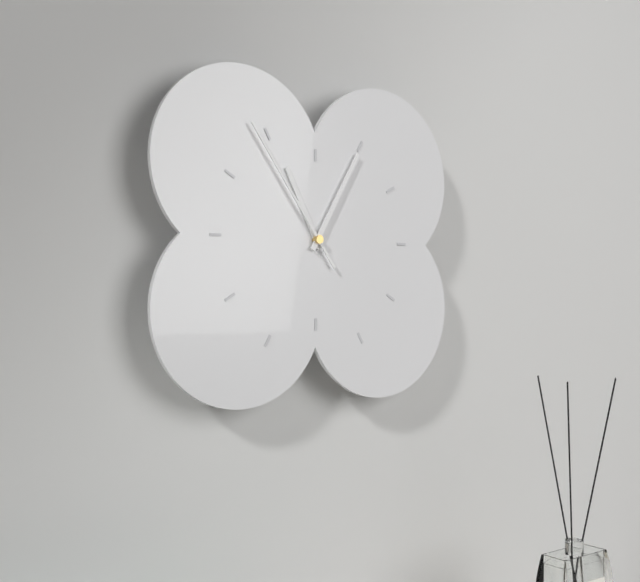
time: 11:05:54
